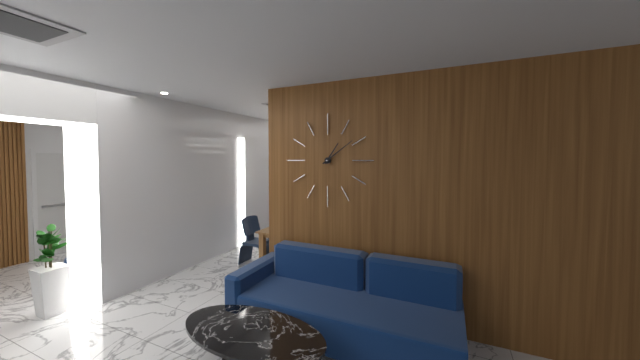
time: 1:09
